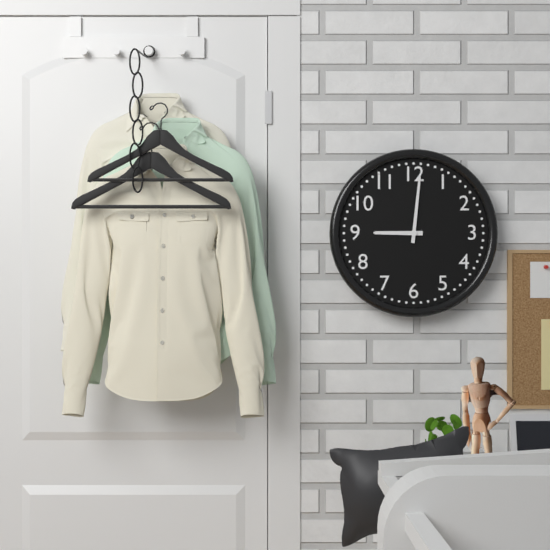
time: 9:01
